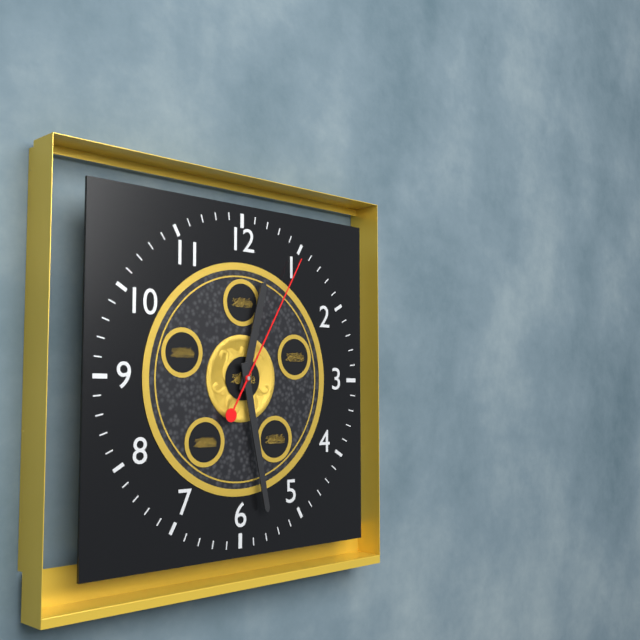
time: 12:28:05
